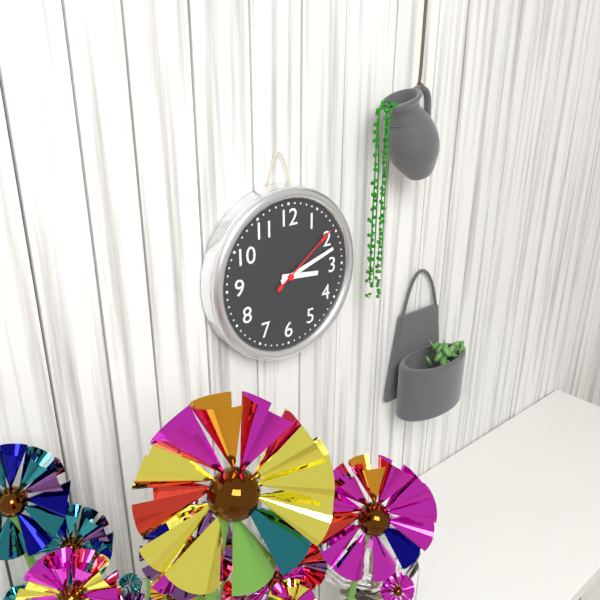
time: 3:12:09
